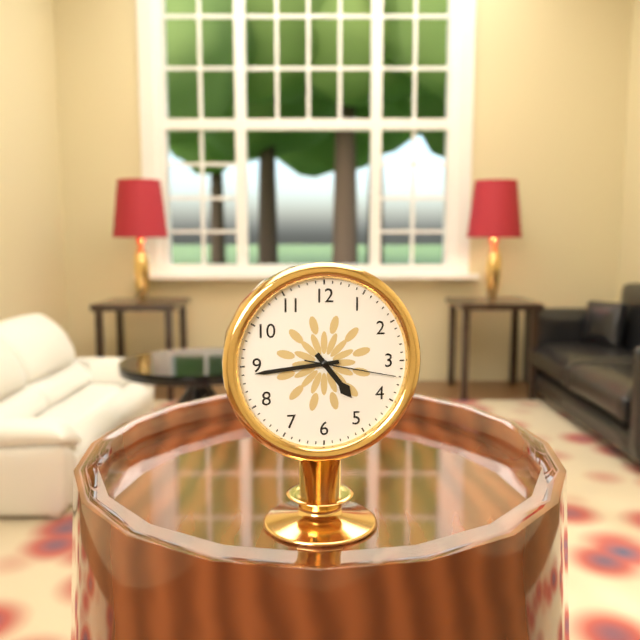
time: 4:44:17
